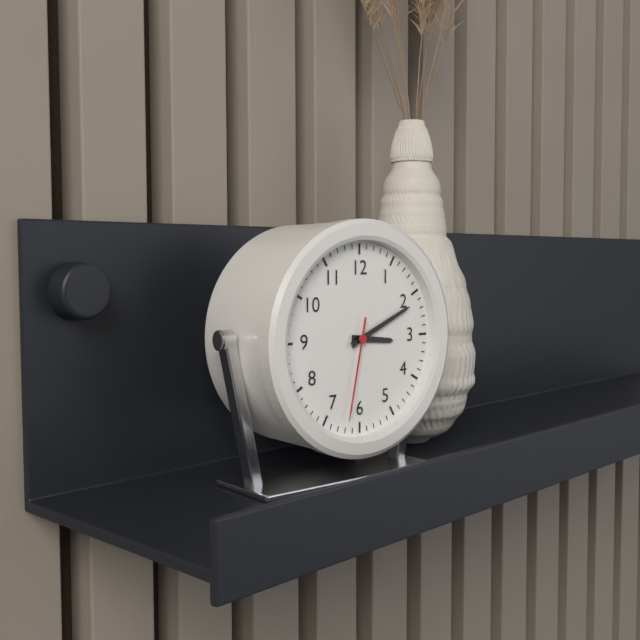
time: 3:11:32
